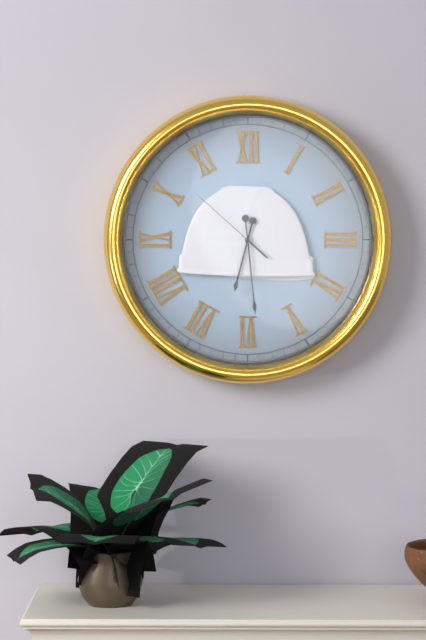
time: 6:29:52
